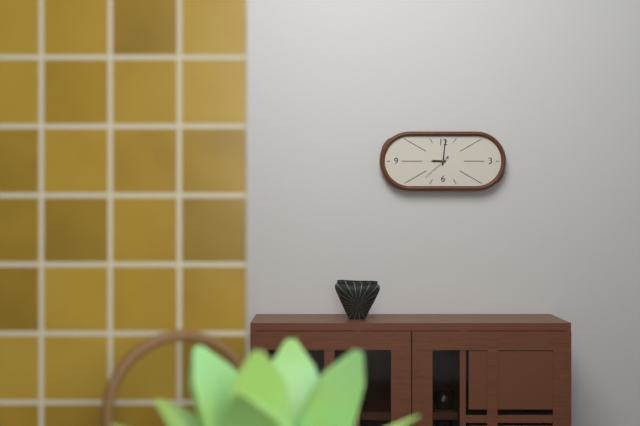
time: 9:01
